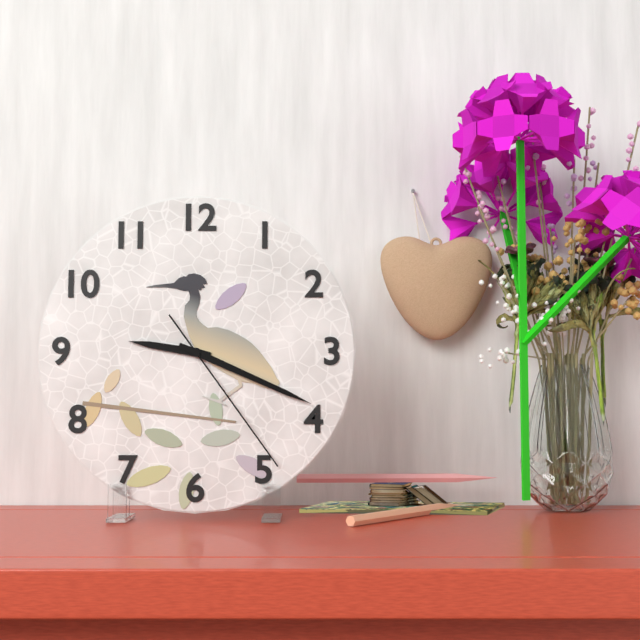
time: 9:19:24
